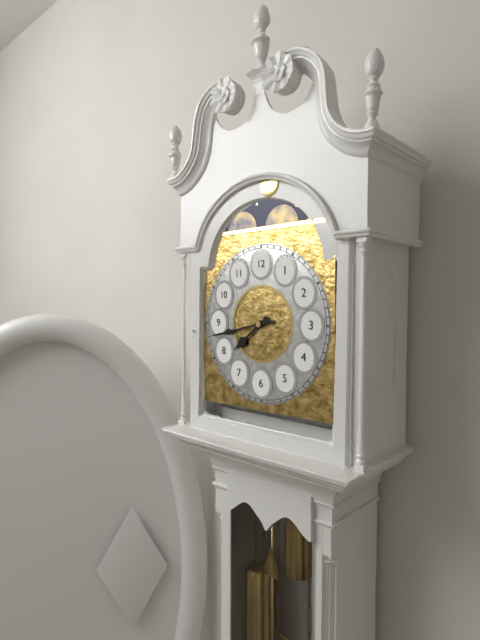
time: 7:43
